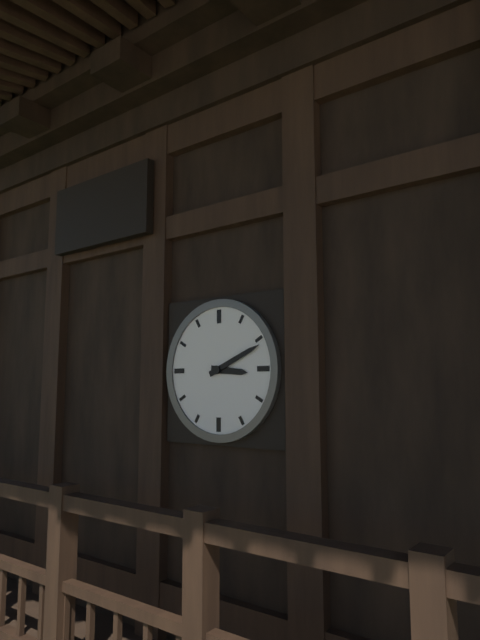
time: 3:11
